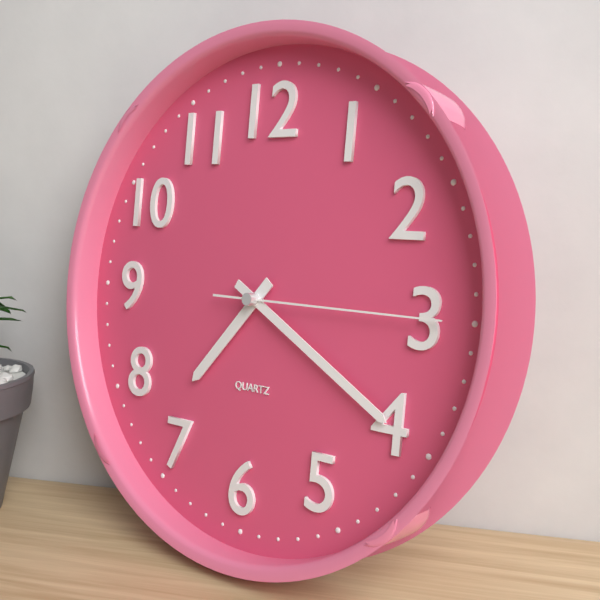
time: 7:20:15
